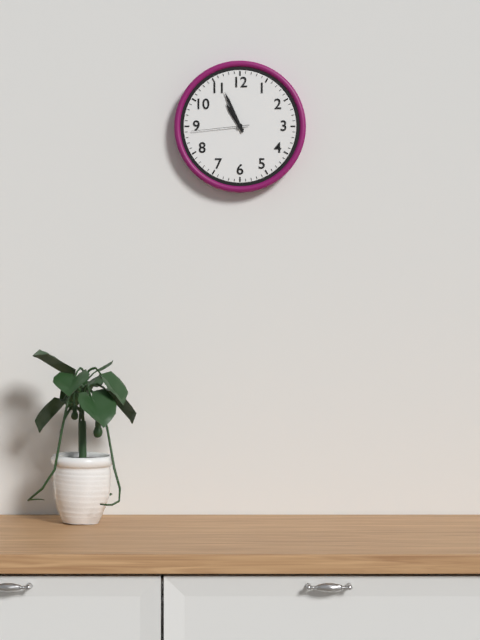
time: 10:56:44
